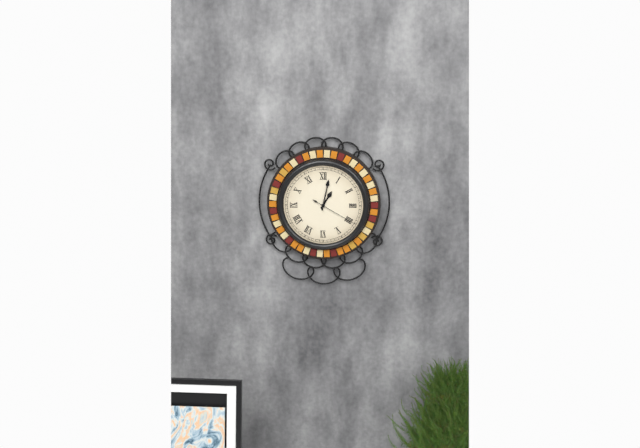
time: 1:02
